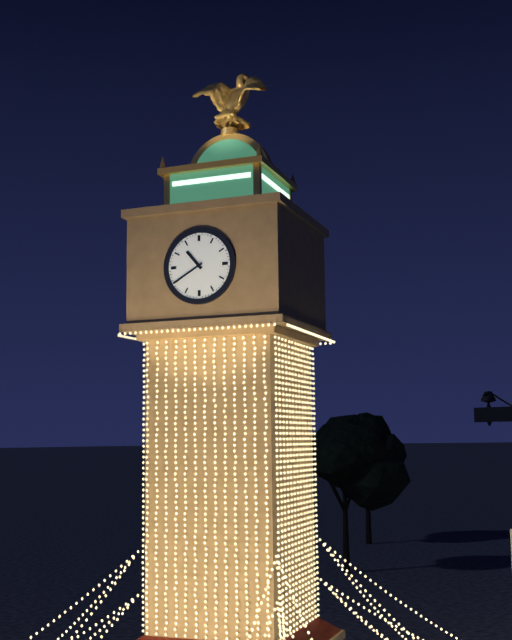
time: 10:40
